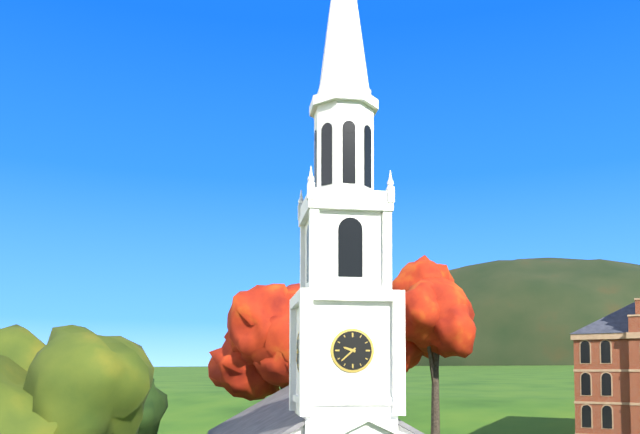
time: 9:38
